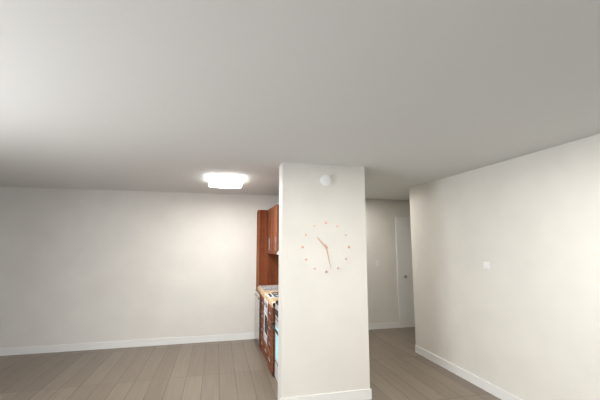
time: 10:28
